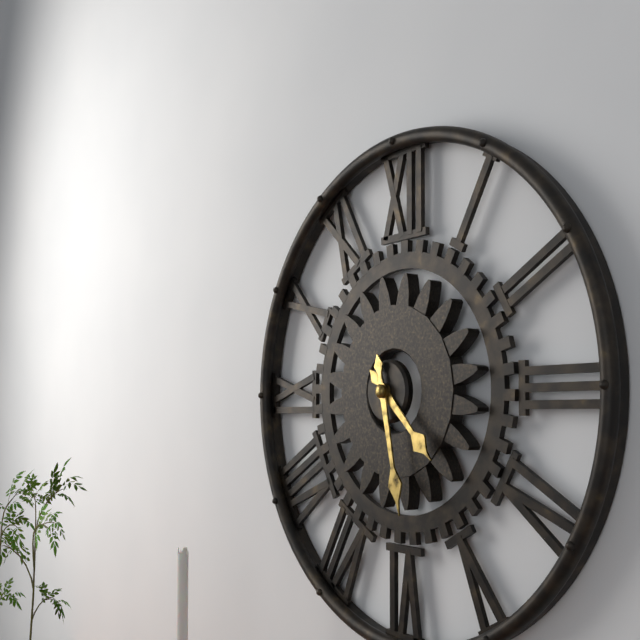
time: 4:28
